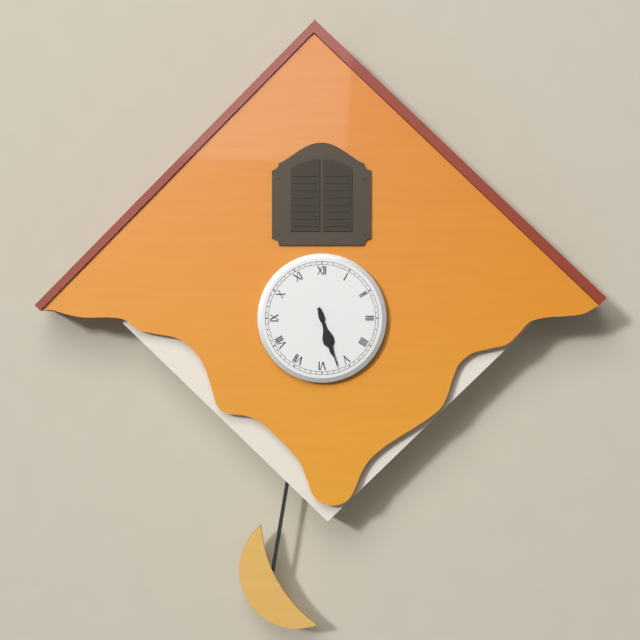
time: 5:27
